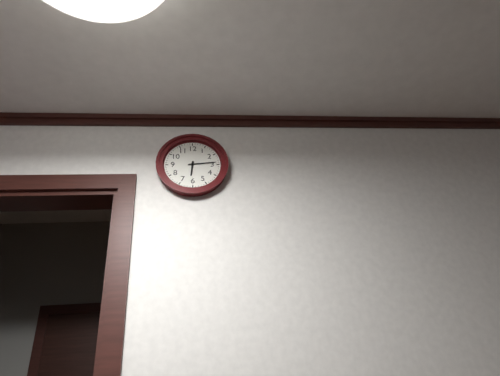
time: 6:14
